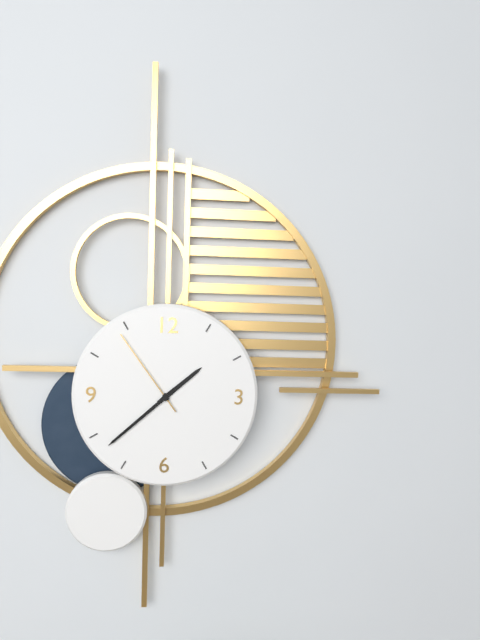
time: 1:38:54
